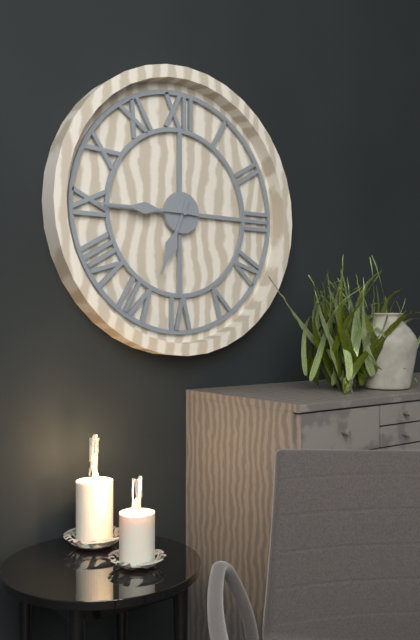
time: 6:45
